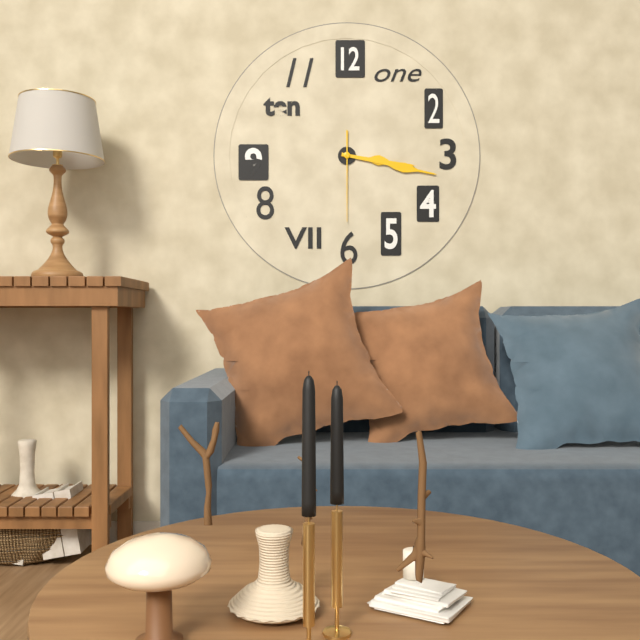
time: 3:17:30
